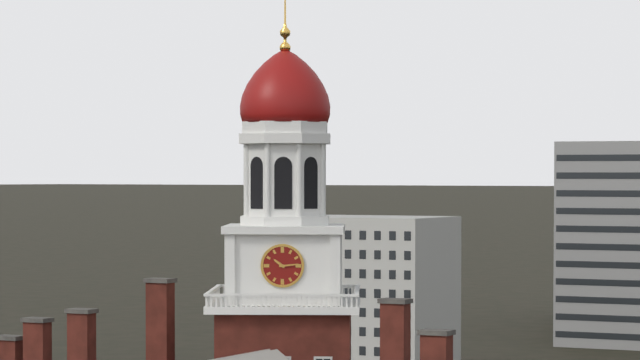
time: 10:14
